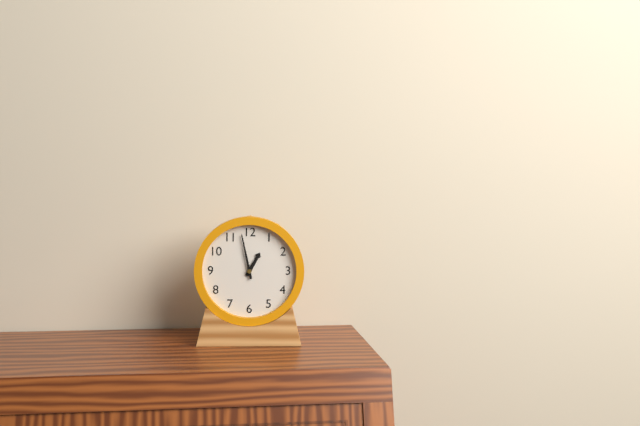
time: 12:58
